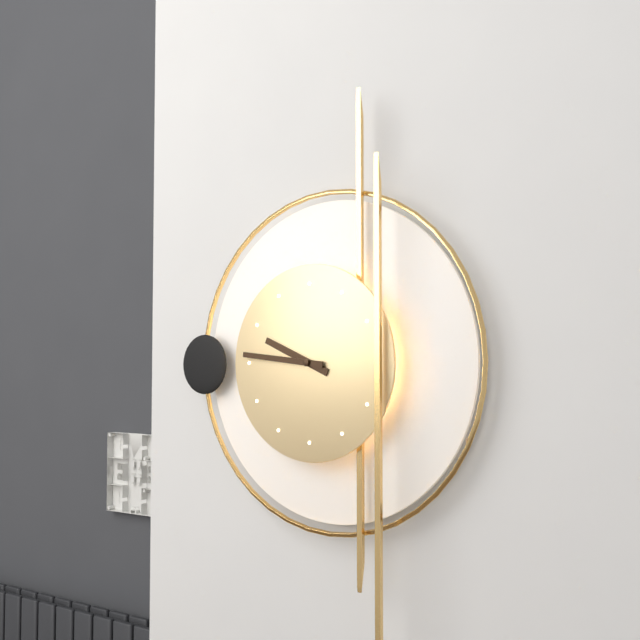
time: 9:46
